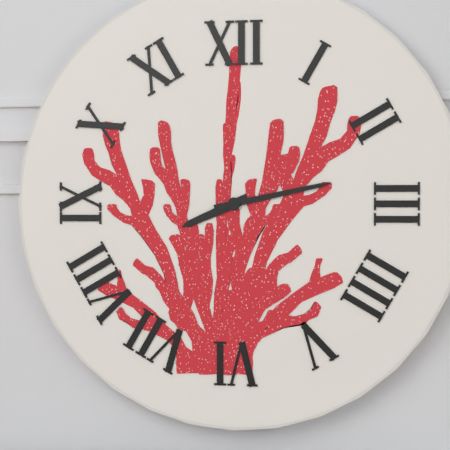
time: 8:13
